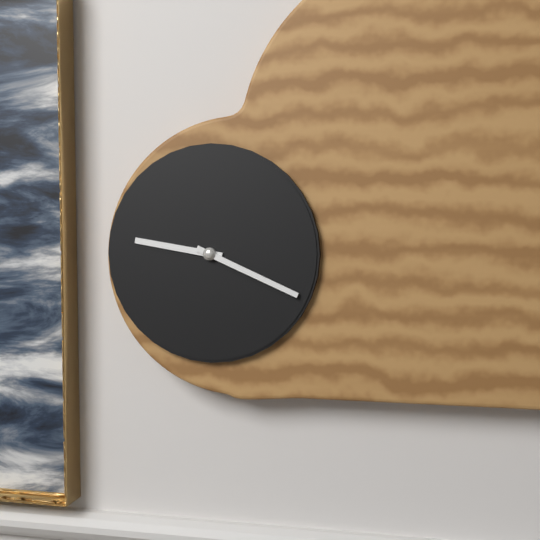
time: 9:19
